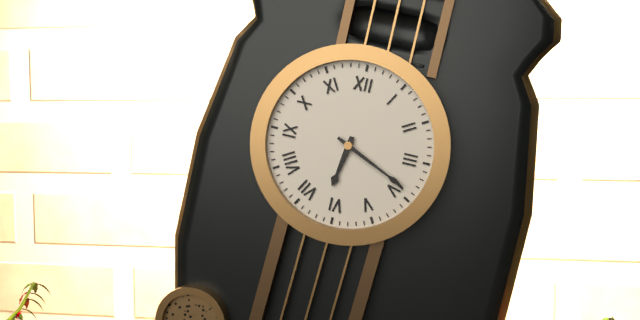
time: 6:19
